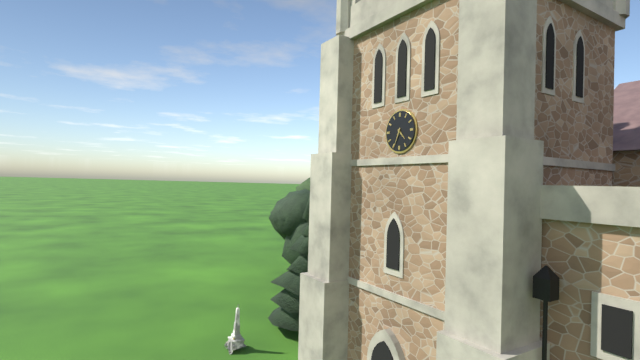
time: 4:34
